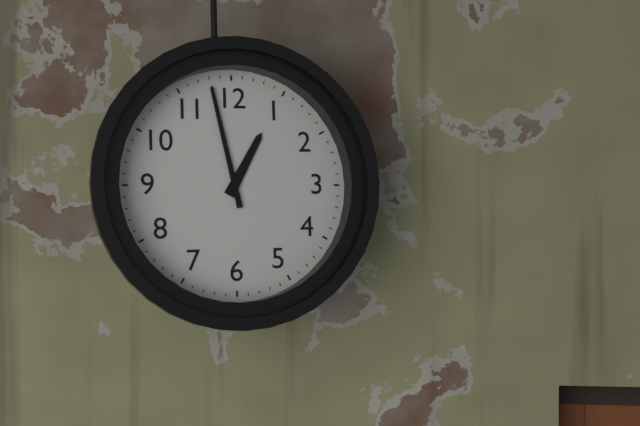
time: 12:58
